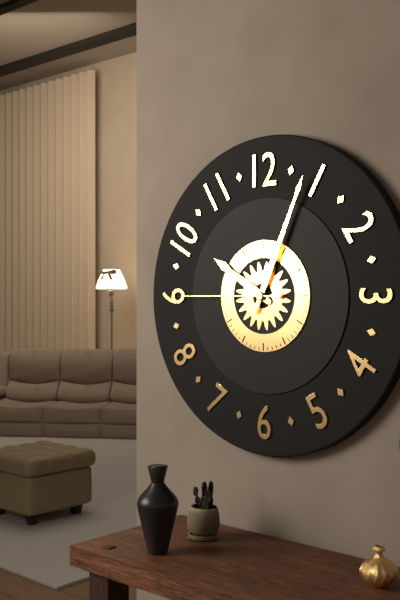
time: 10:04:45
